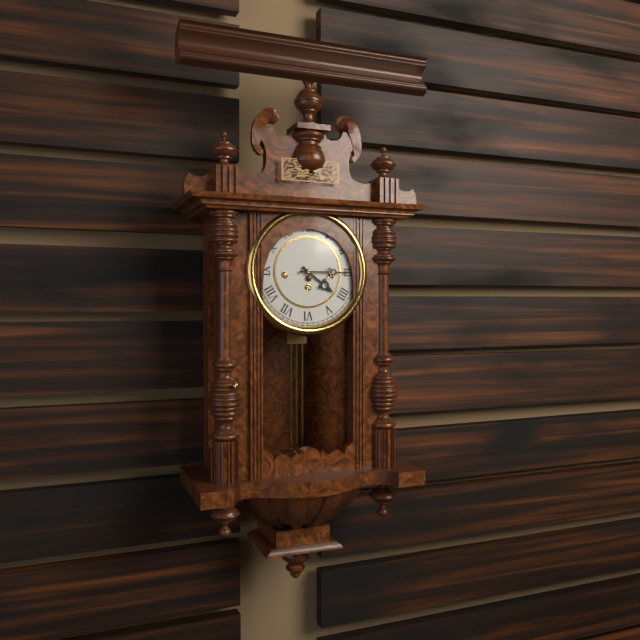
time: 4:15
